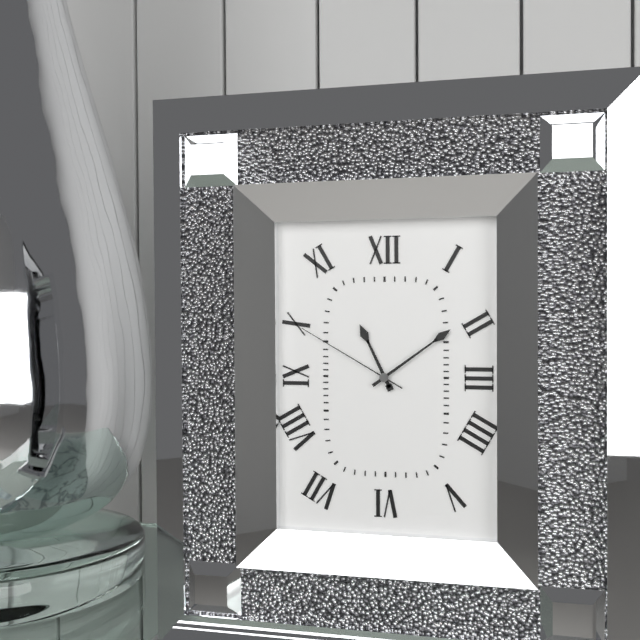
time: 11:09:50
